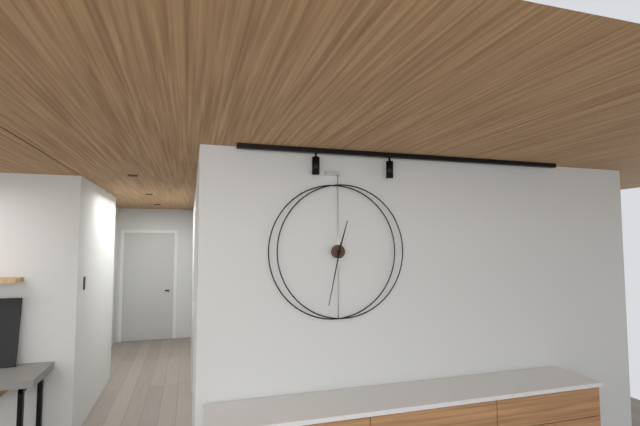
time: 12:32
